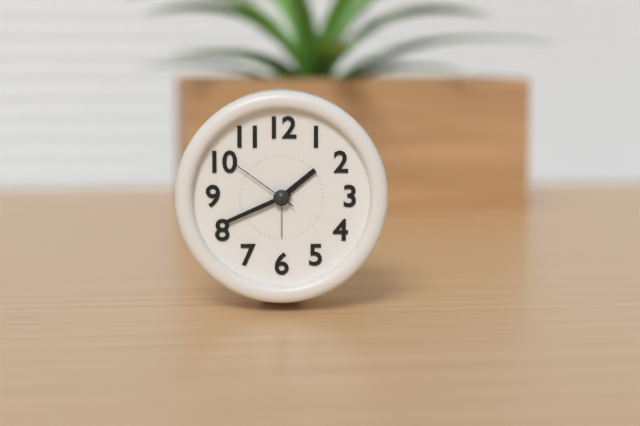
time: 1:41:51
